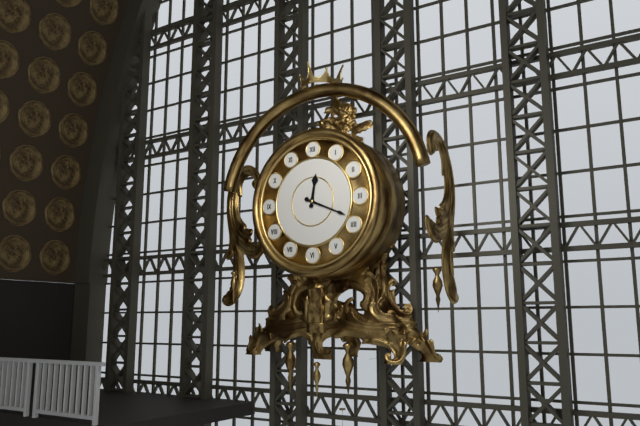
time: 12:19
